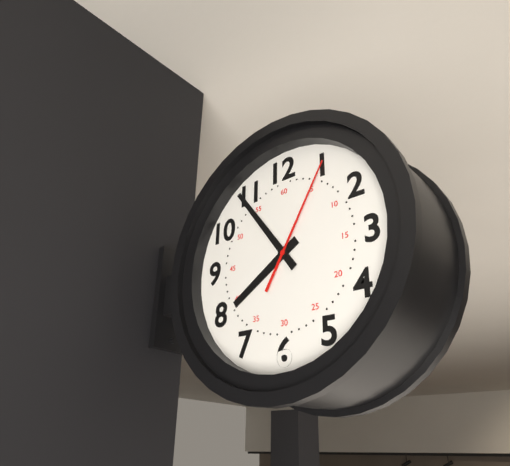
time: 7:54:05
